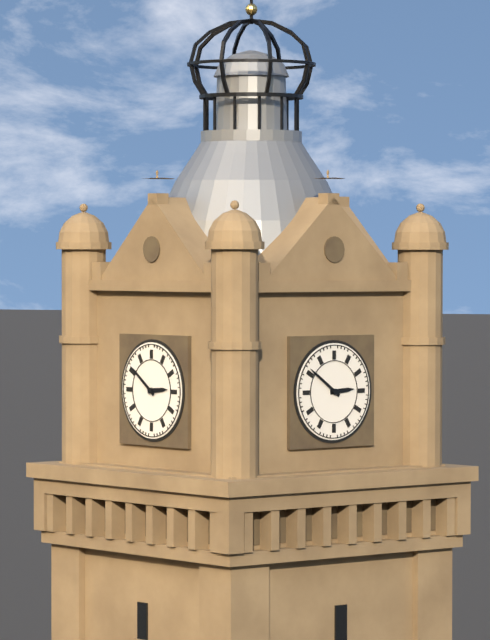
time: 2:51
